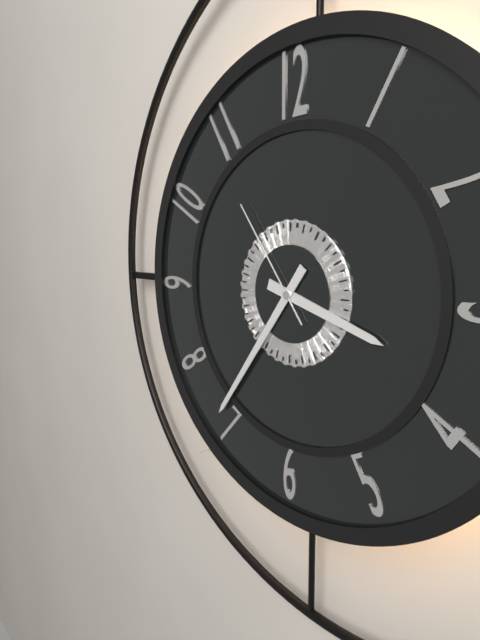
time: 3:36:54
